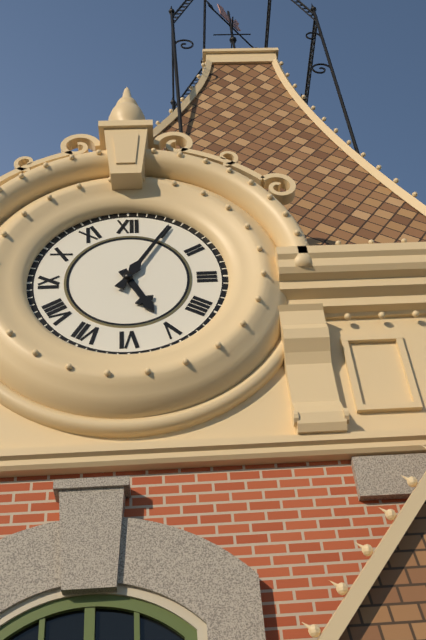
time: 5:05
